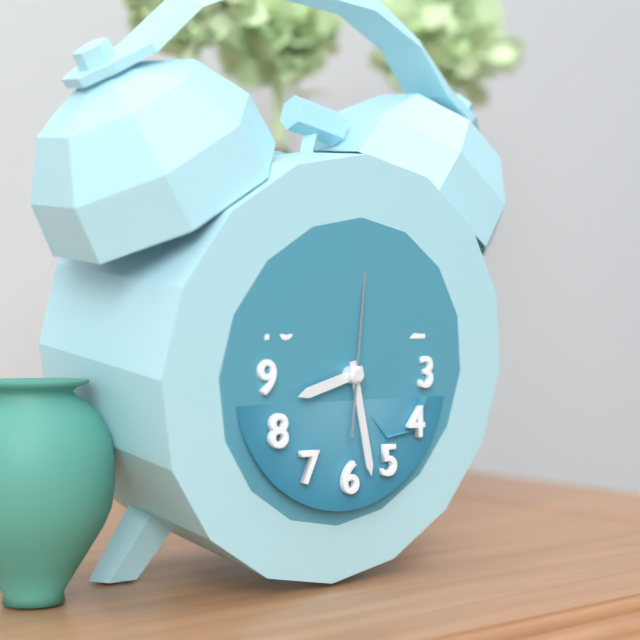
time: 8:28:01
